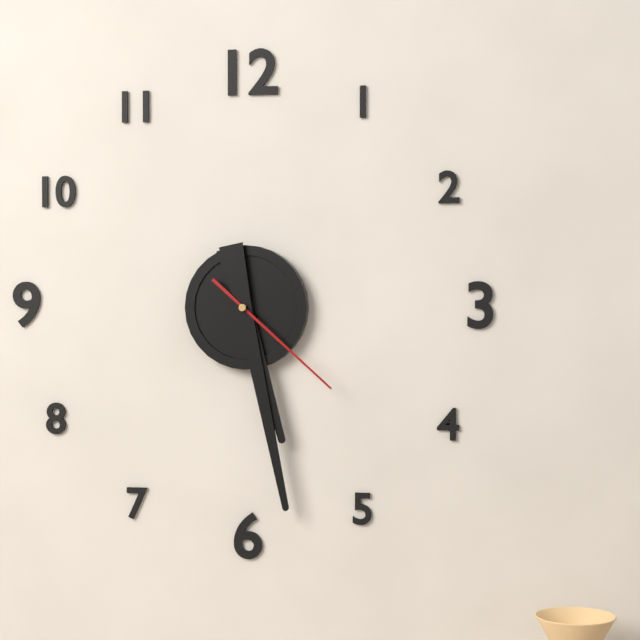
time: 5:28:22
